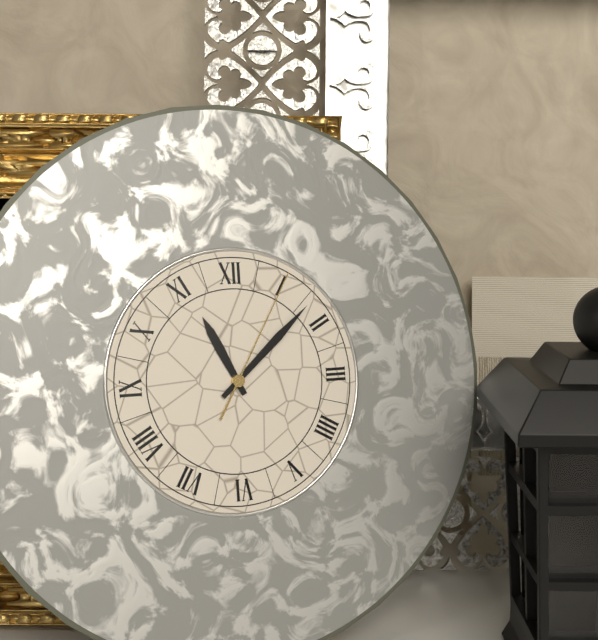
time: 11:08:05
